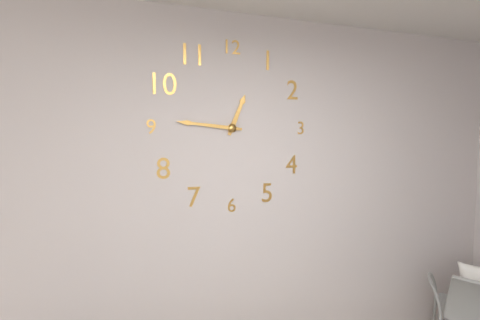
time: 12:46
